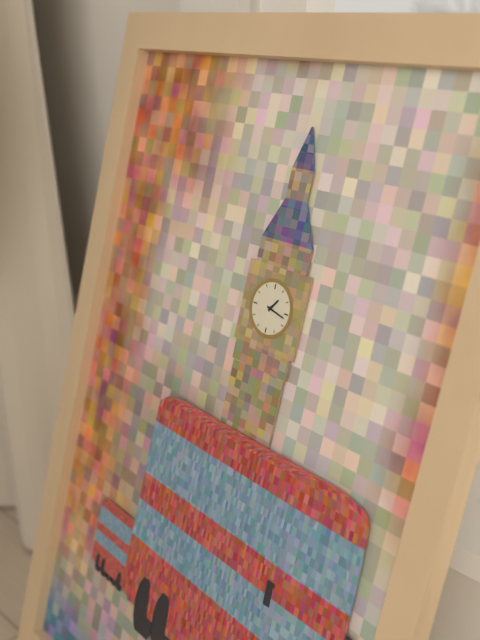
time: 1:17
